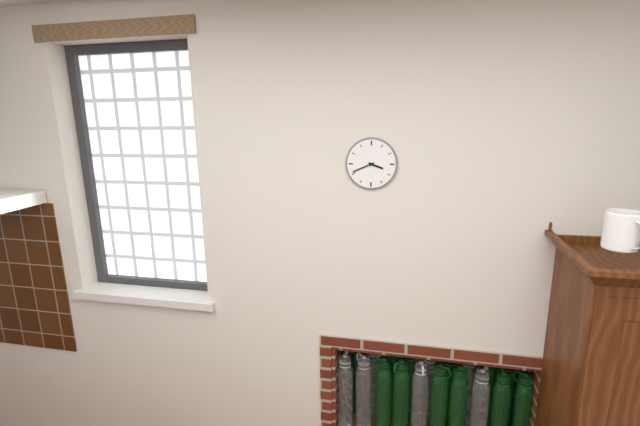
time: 3:41
